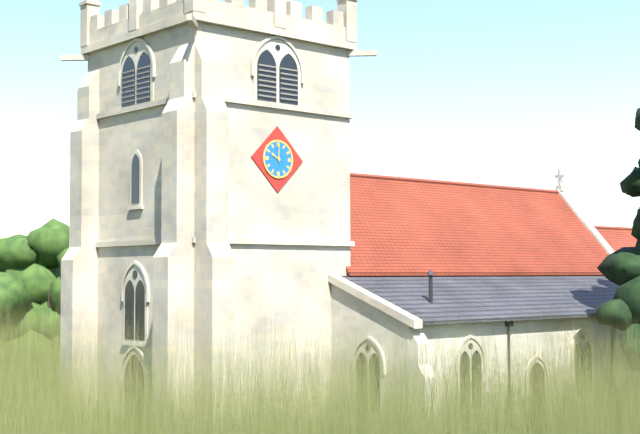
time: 10:00
